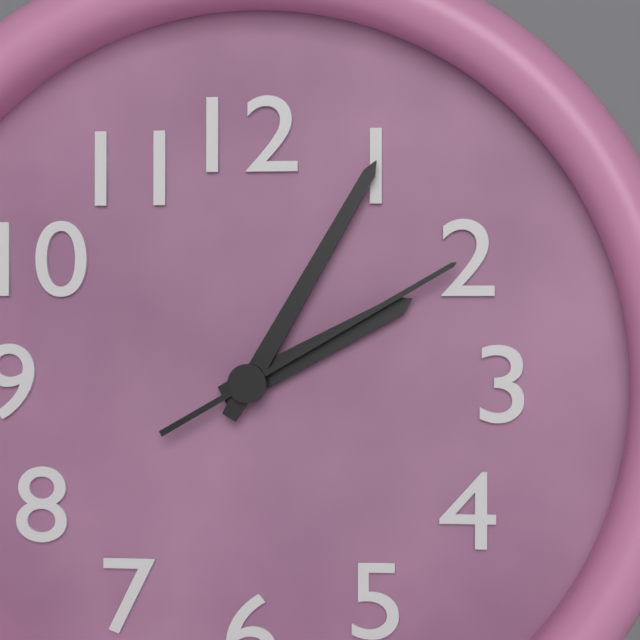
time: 2:05:10
